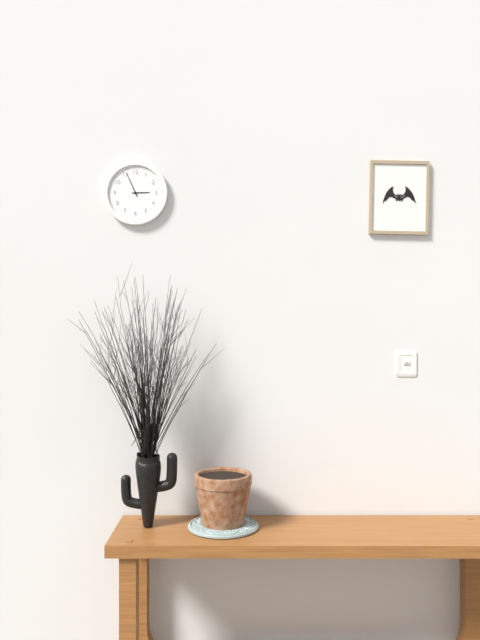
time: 2:56
